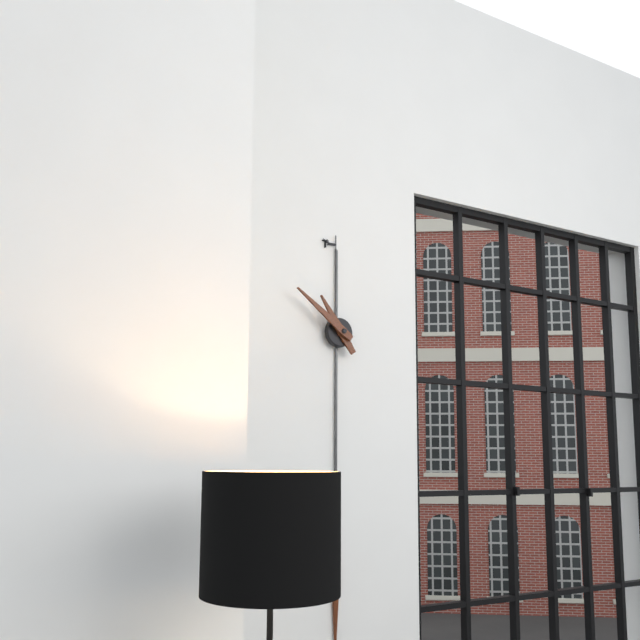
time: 10:51
